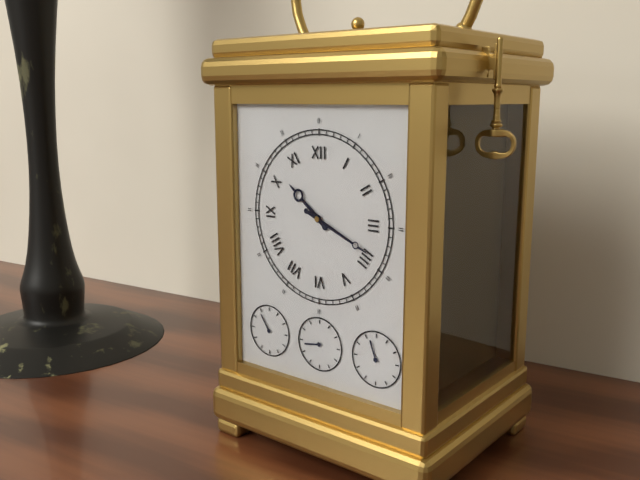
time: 10:19
